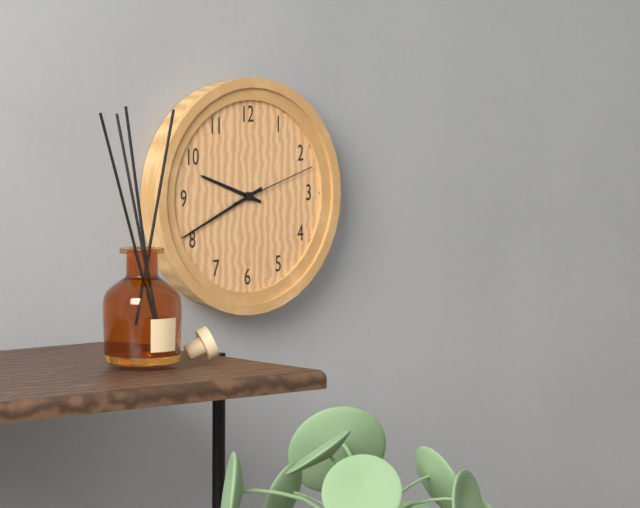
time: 9:41:12
